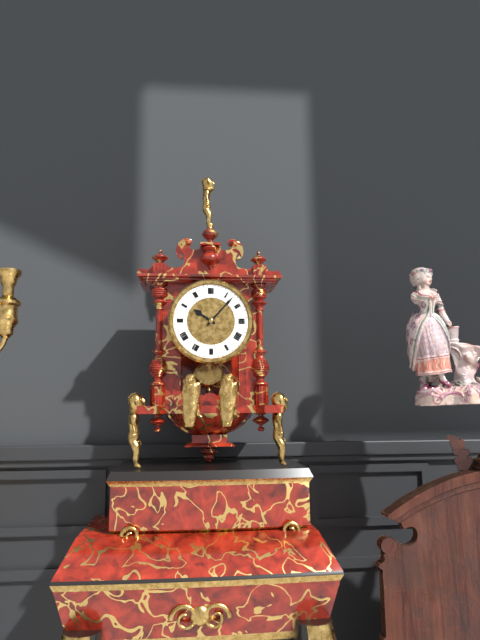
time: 10:07
